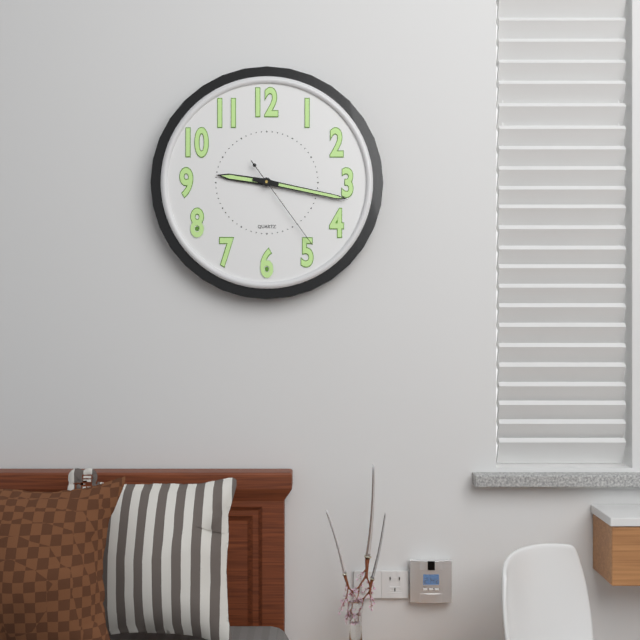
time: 9:17:24
